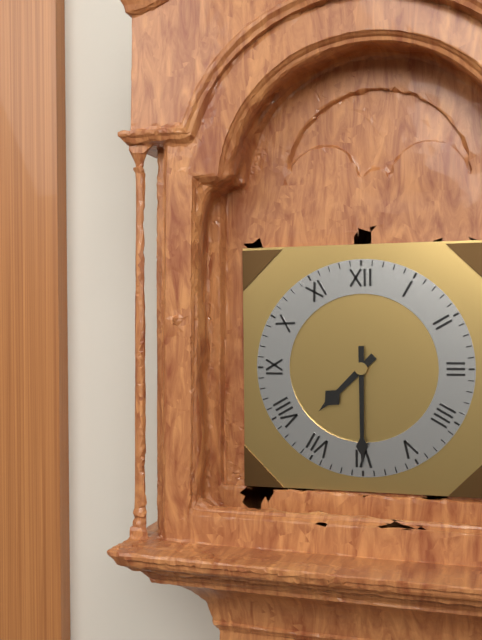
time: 7:30
